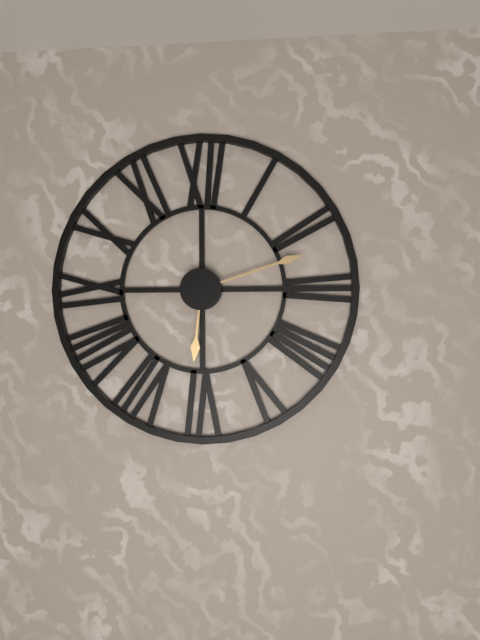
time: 6:12
